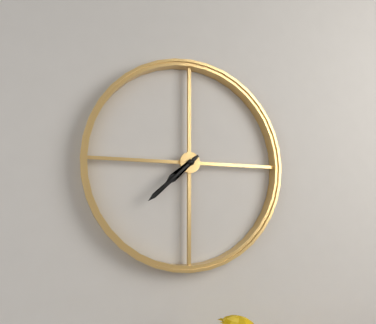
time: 7:38
